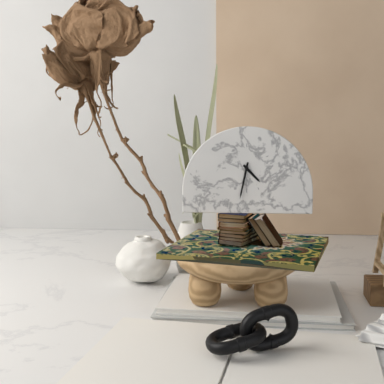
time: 4:32
